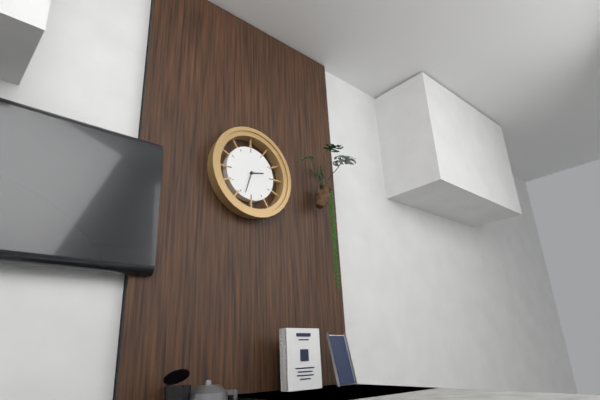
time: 2:33
